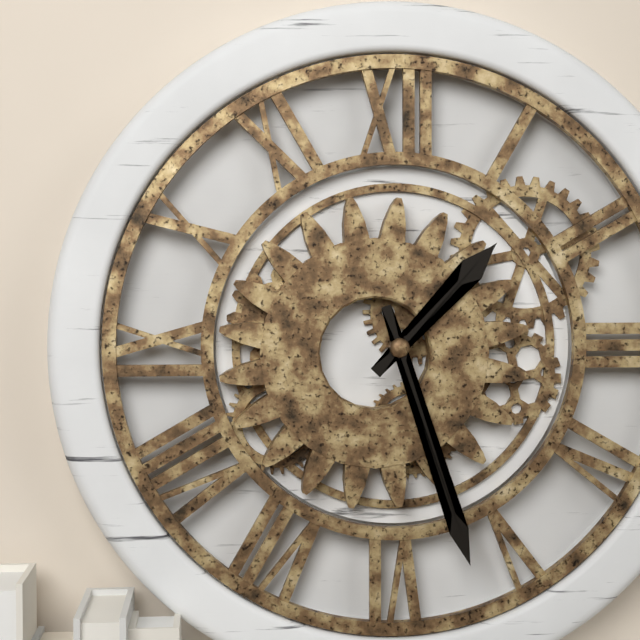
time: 1:27
